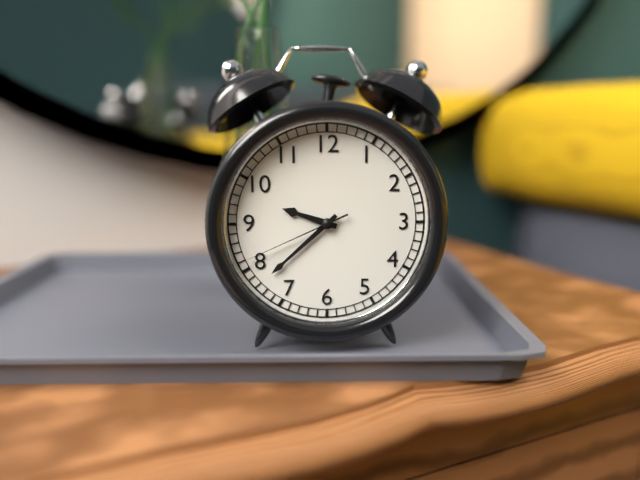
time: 9:38:41
